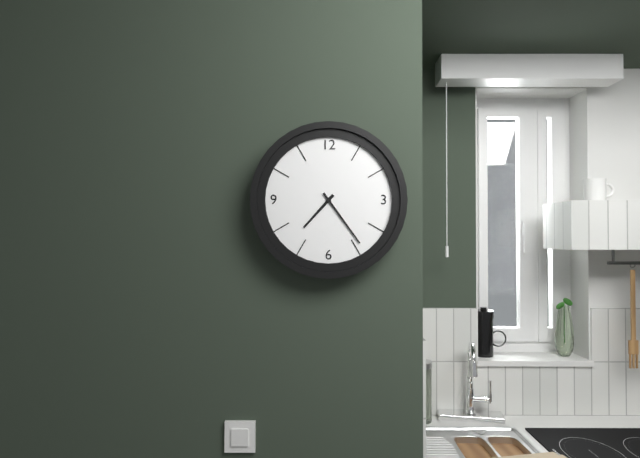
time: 7:24
